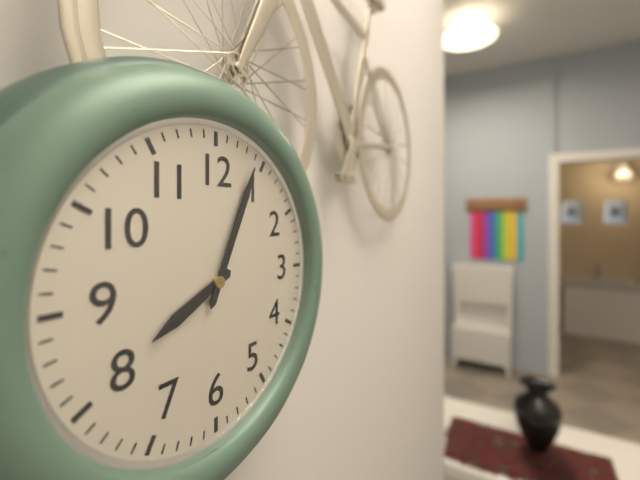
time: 8:04
